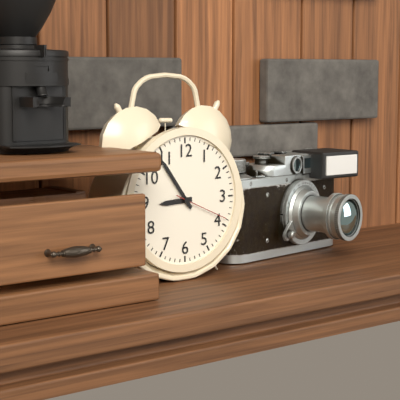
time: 8:54:19
